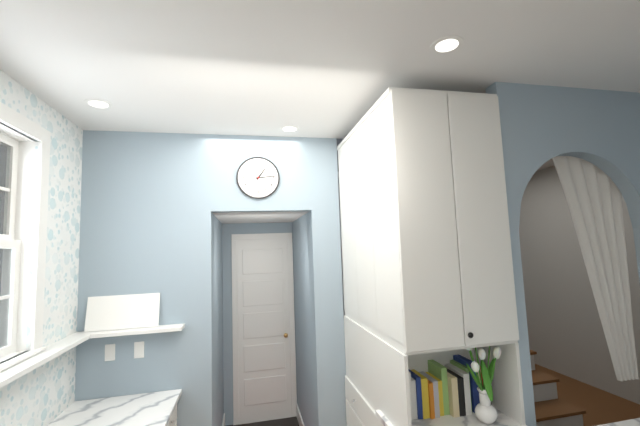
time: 1:14
